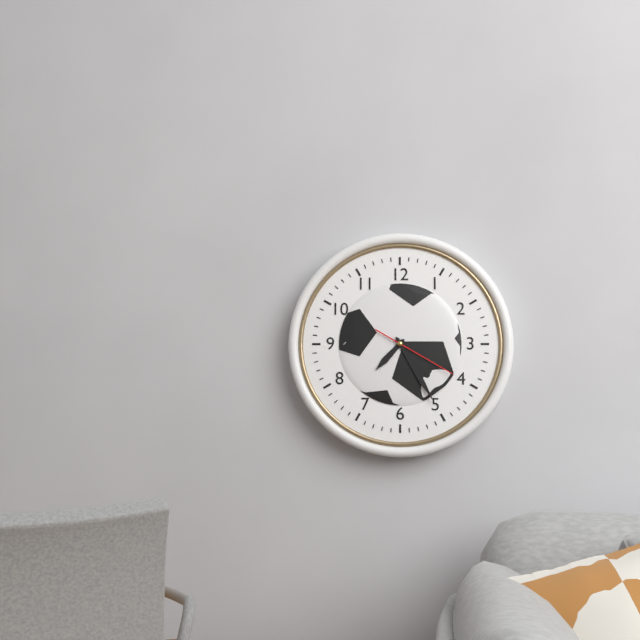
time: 7:25:20
